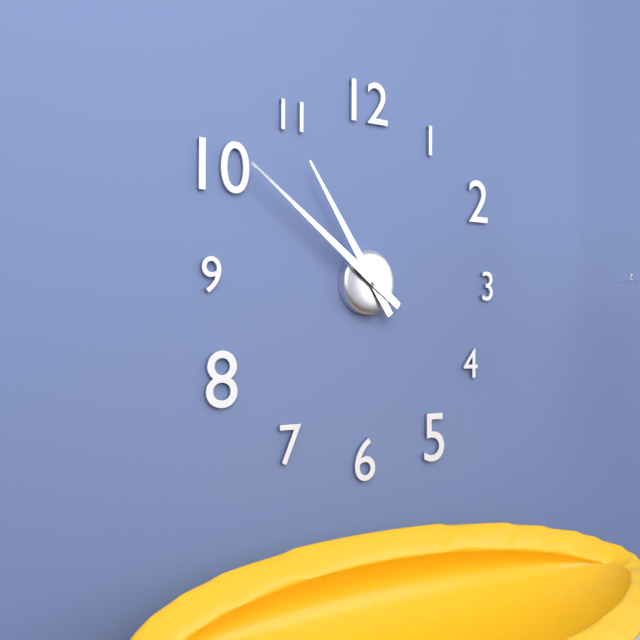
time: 10:51
